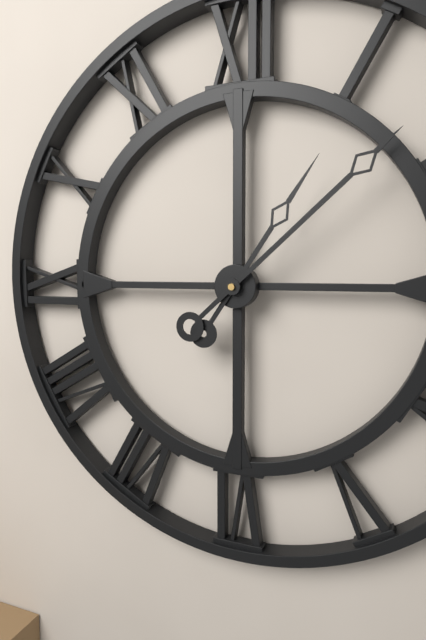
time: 1:08
